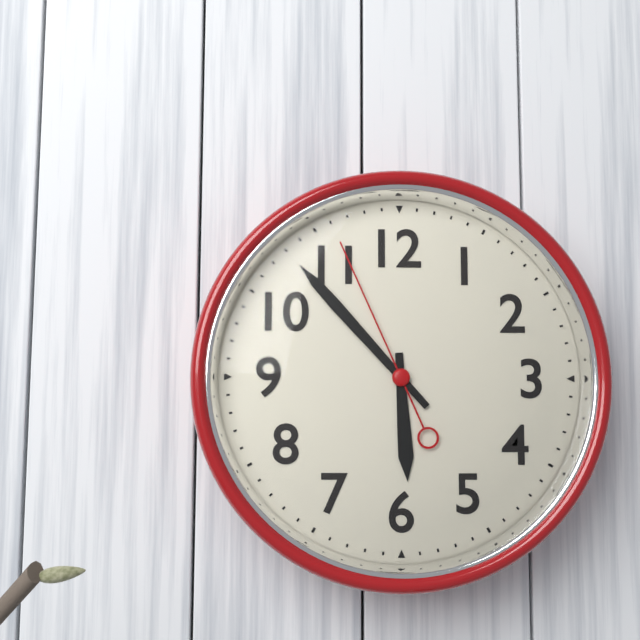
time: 5:53:56
